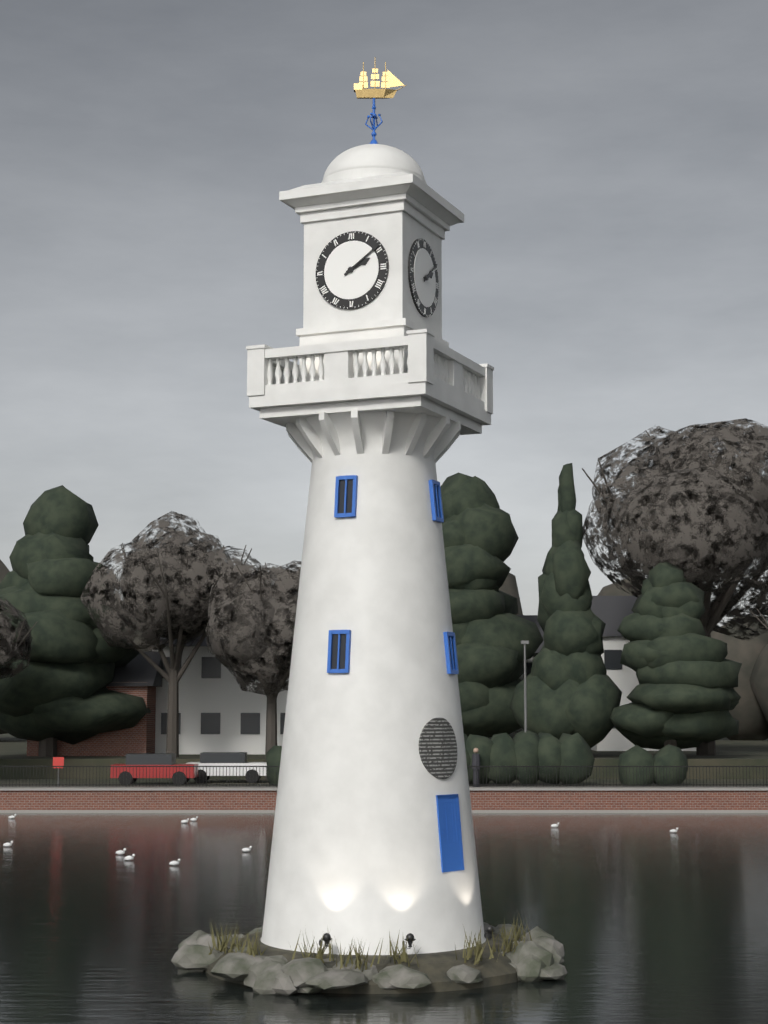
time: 2:09
